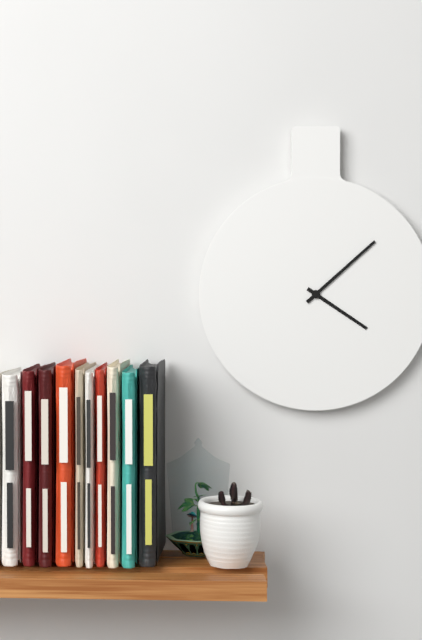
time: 4:08
